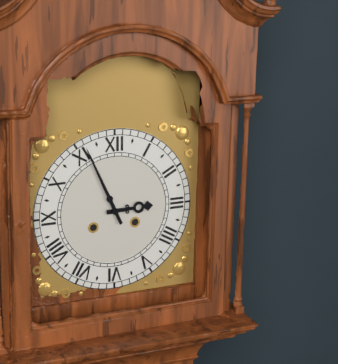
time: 2:56
